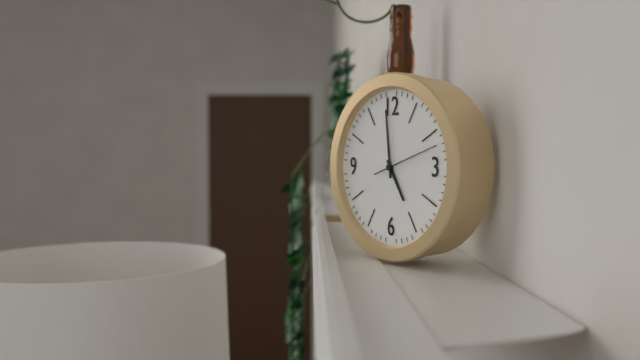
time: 4:59:12
